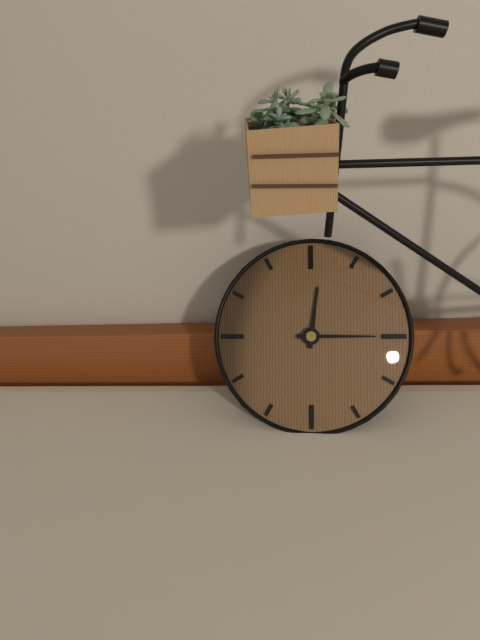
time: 12:15
